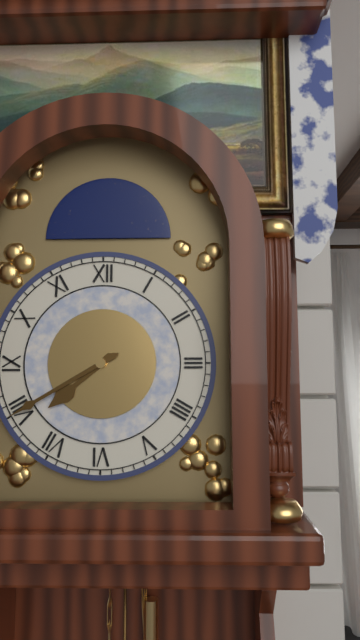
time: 7:40
